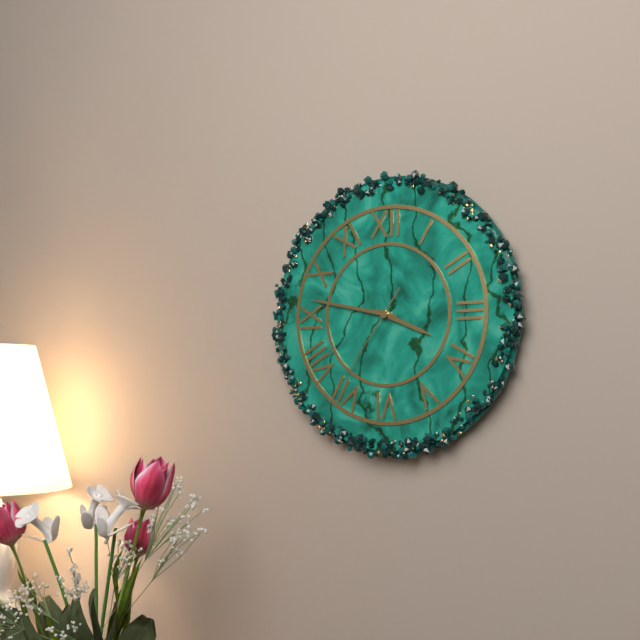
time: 3:47:36
